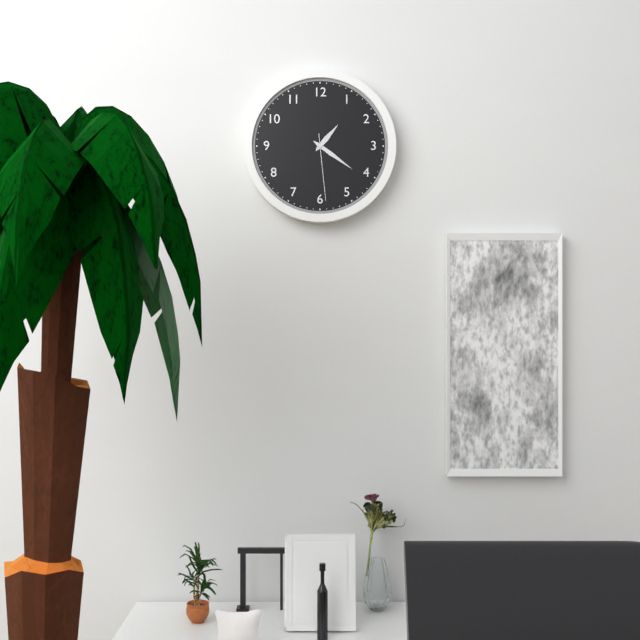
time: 1:21:29
